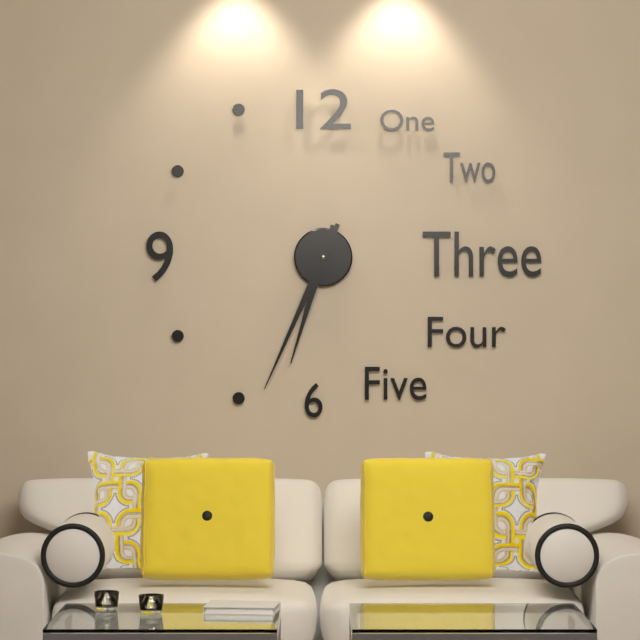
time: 6:34
